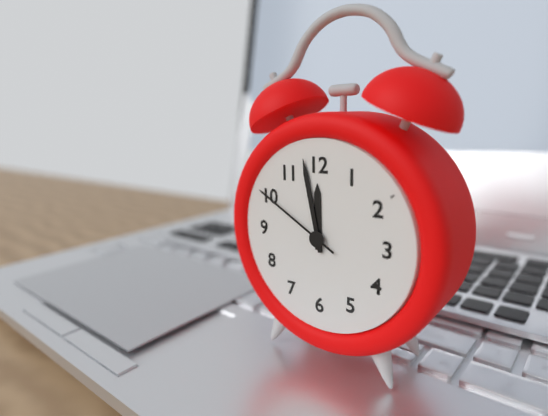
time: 11:58:50
